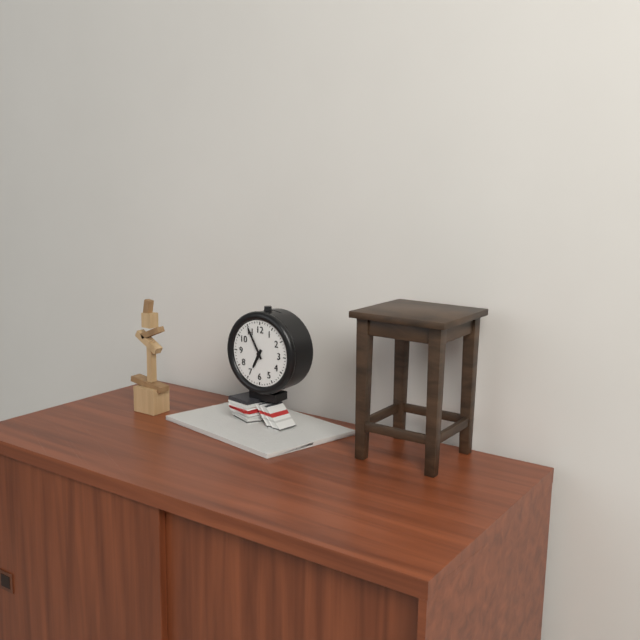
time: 6:55
